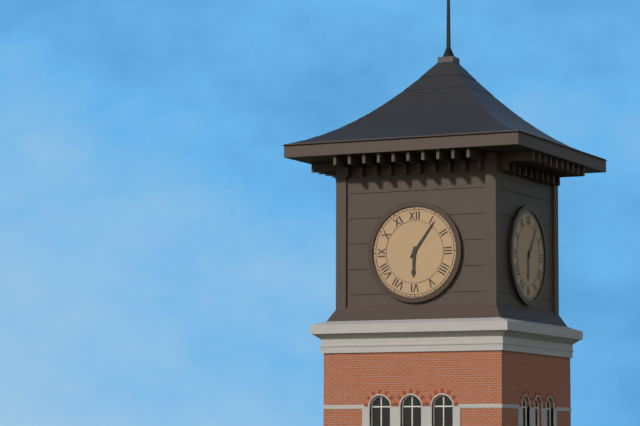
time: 6:06
